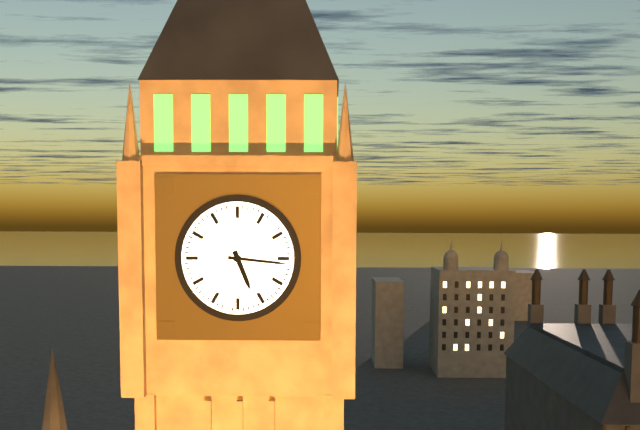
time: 5:16
